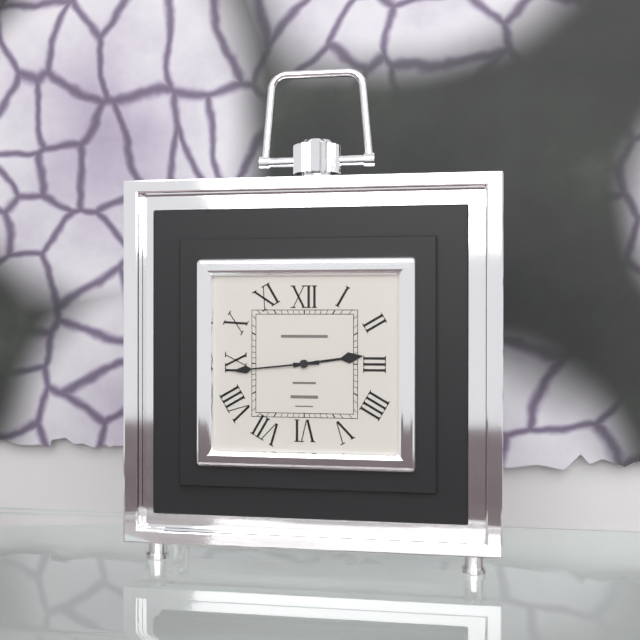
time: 2:44
